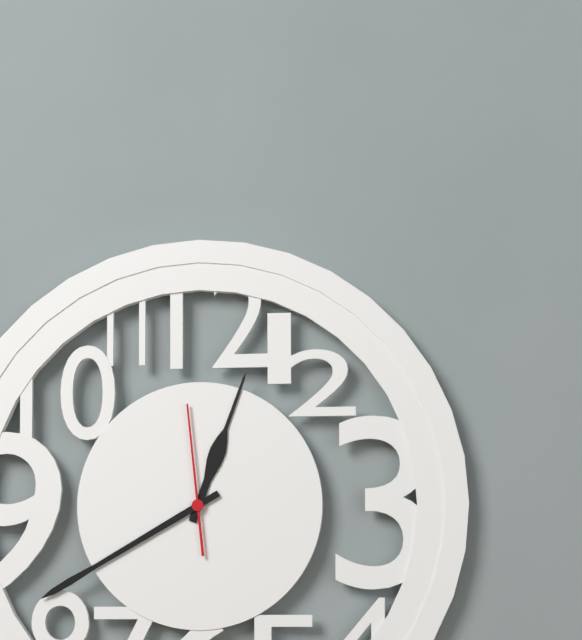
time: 12:40:59
